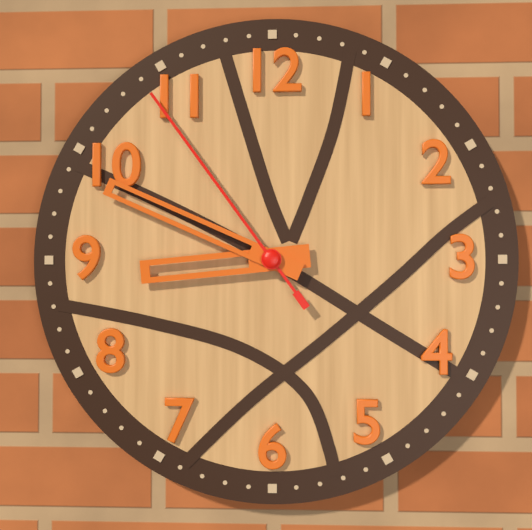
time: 8:49:54
